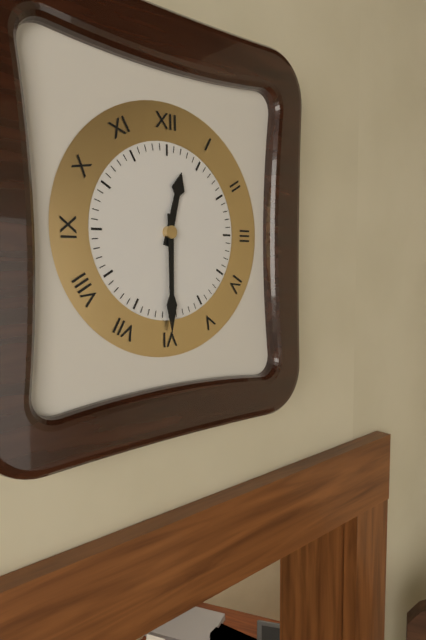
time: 12:30
